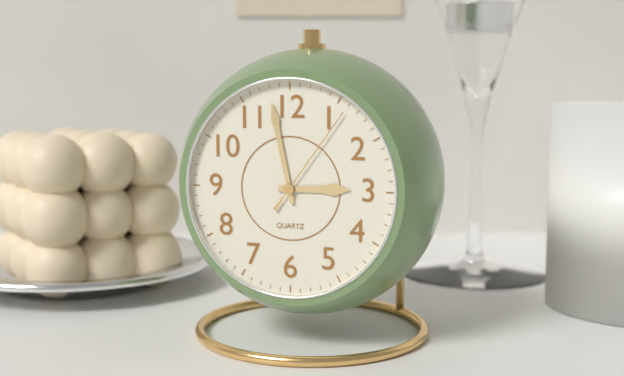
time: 2:58:06
